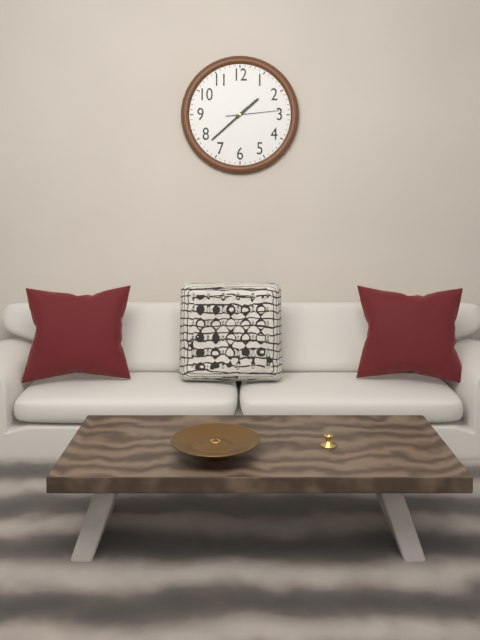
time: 1:38
